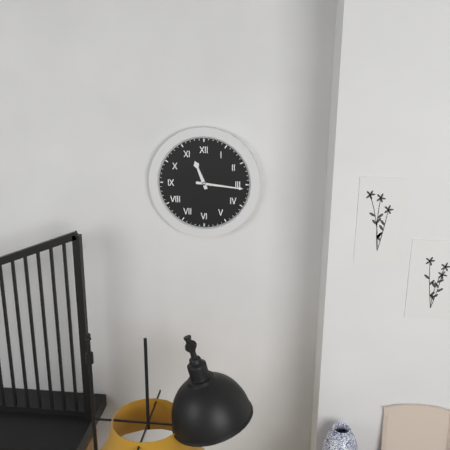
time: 11:16
